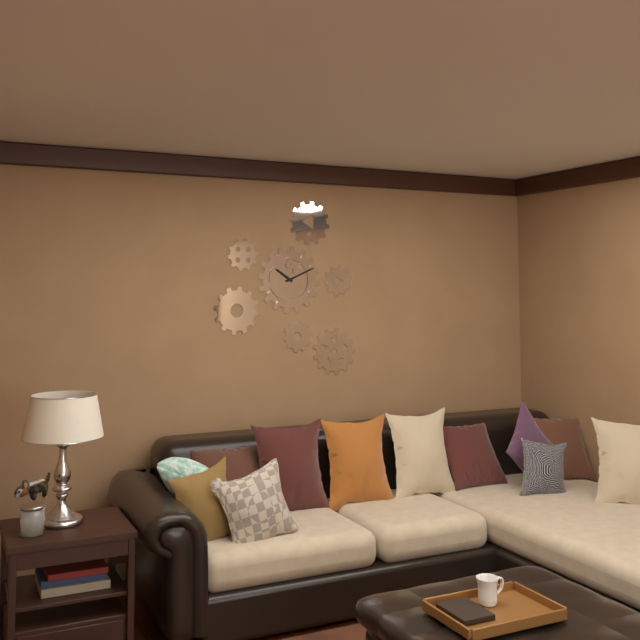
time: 10:11
